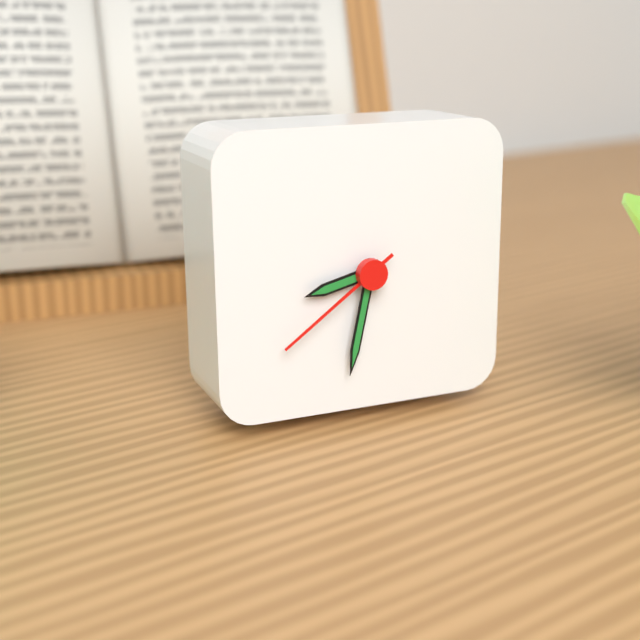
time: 8:32:39
